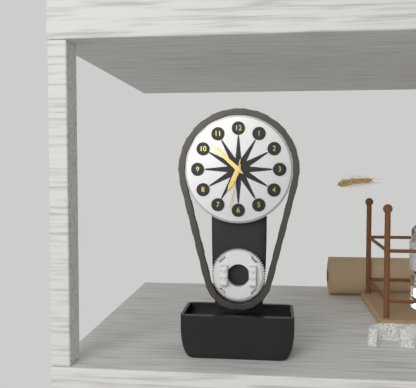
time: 6:52:32
